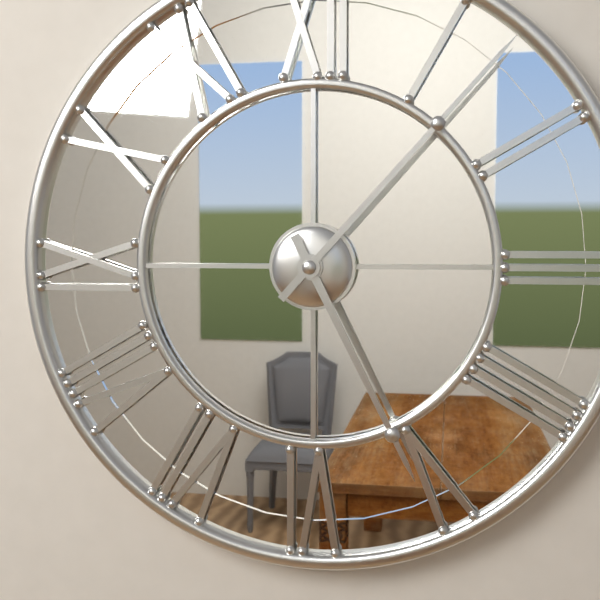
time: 5:07
